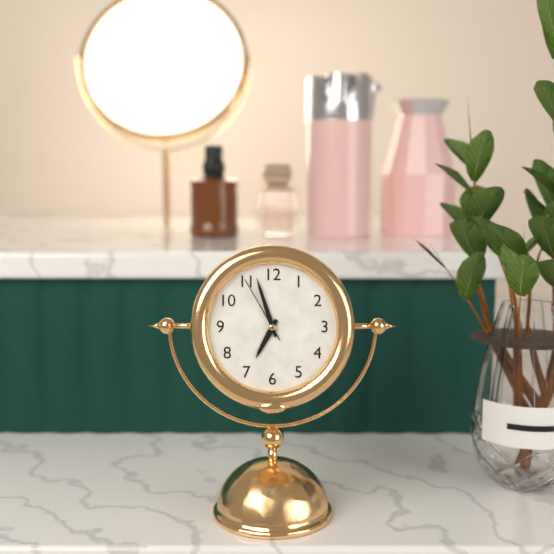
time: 6:57:55
